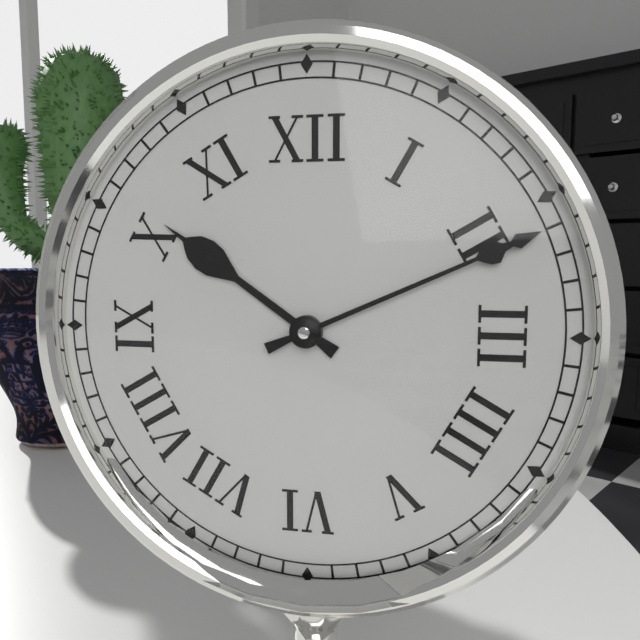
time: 10:11
